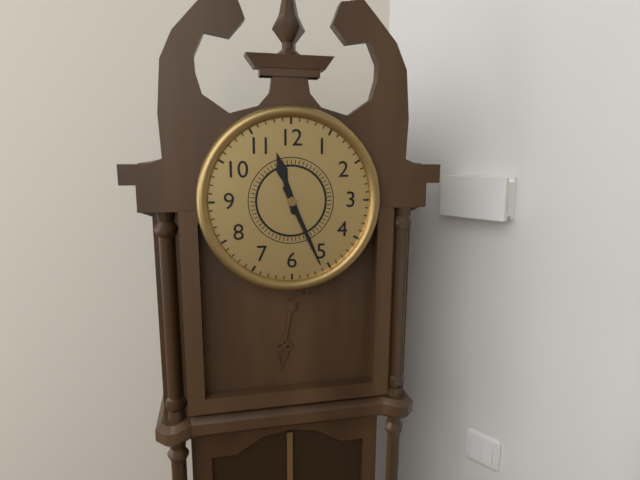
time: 11:26
